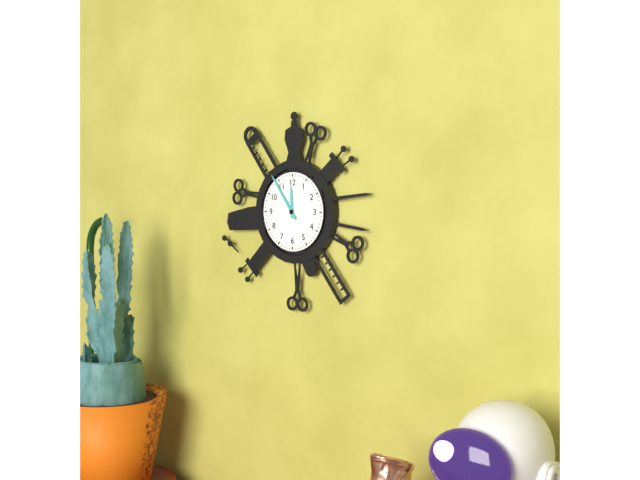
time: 11:54
